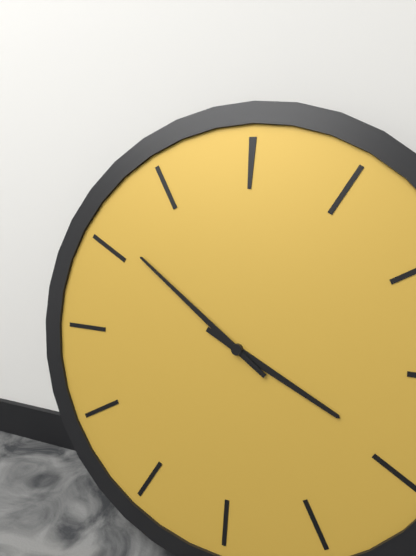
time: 3:51
